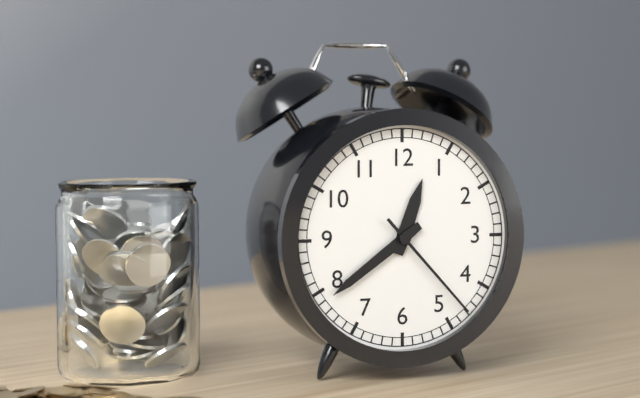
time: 12:39:23
